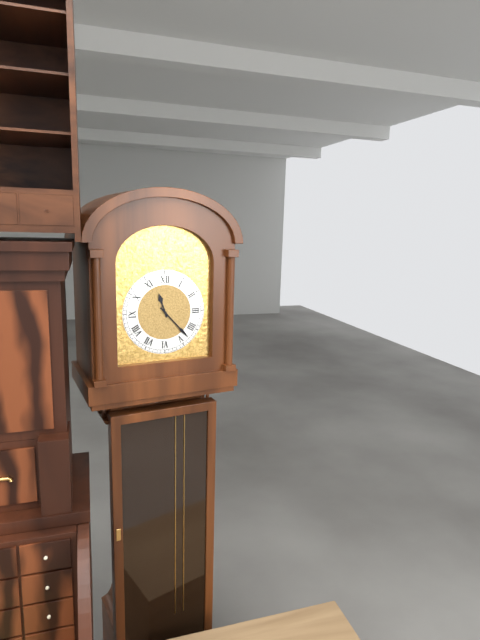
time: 11:23
